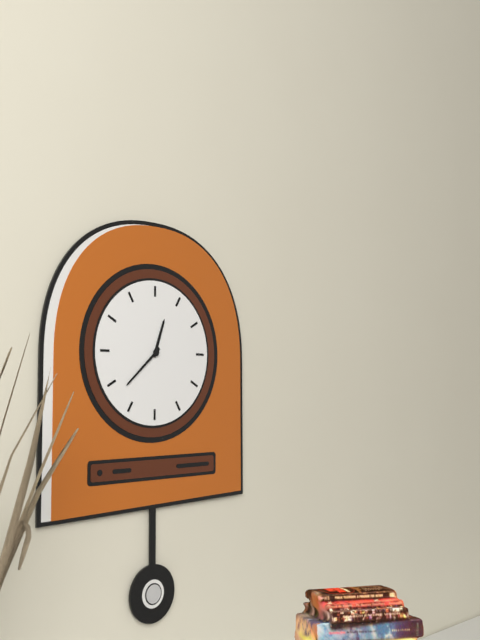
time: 12:38
